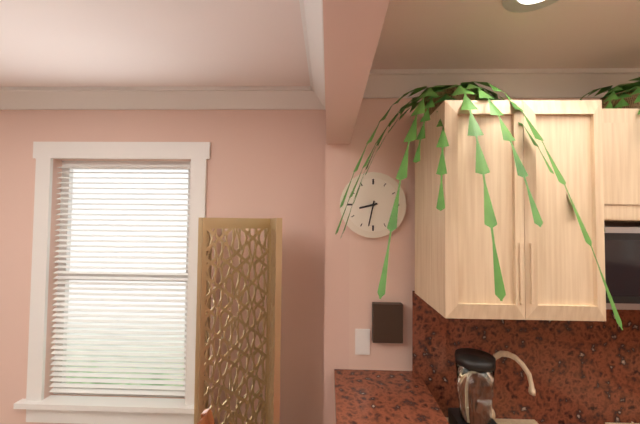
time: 8:32
